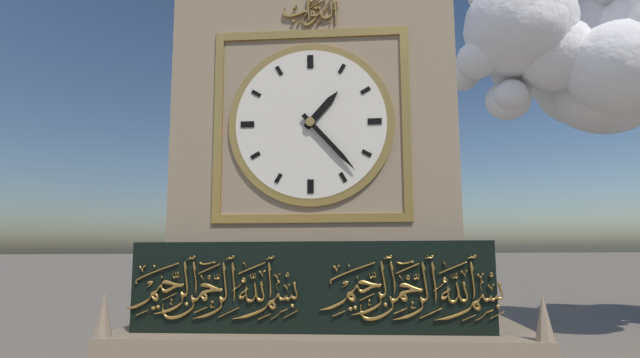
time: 1:23
